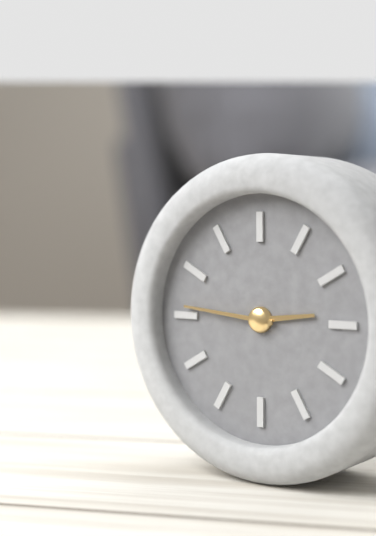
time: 2:46
